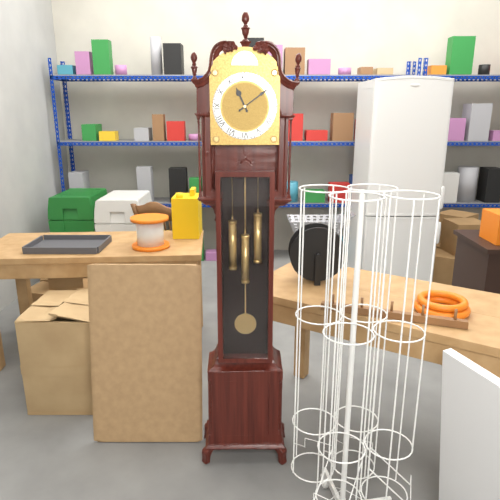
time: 11:09
